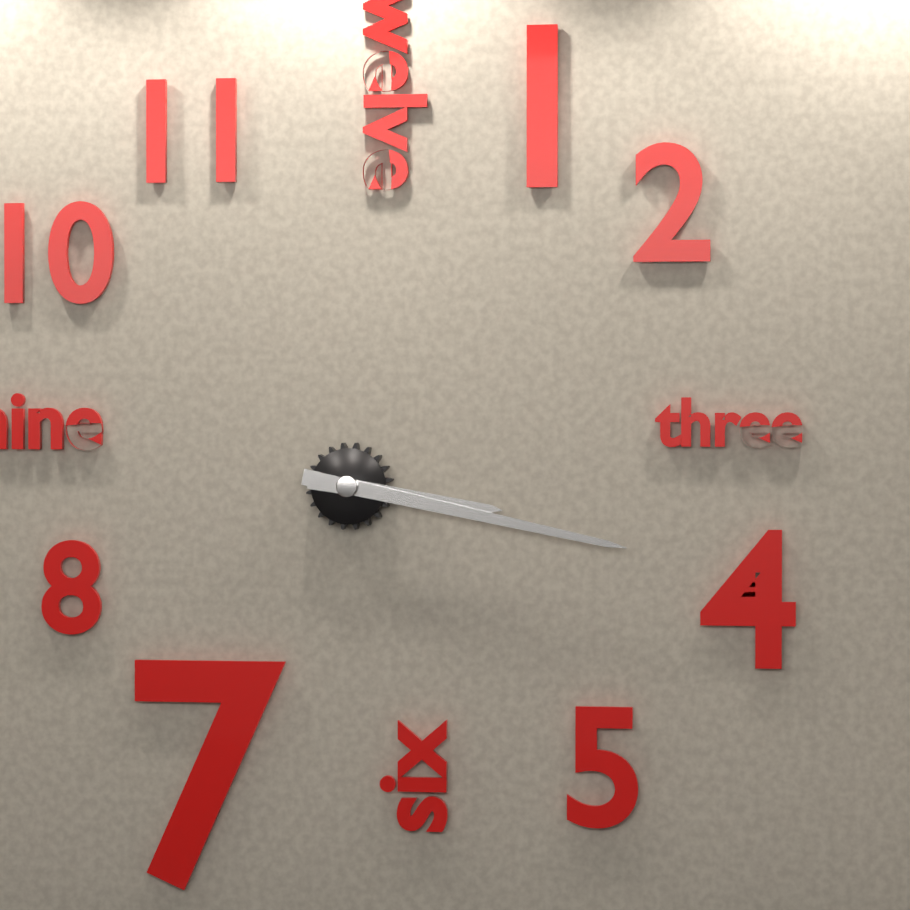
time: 3:17
